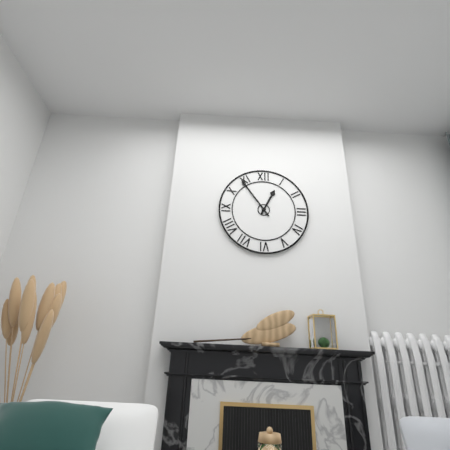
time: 12:54
